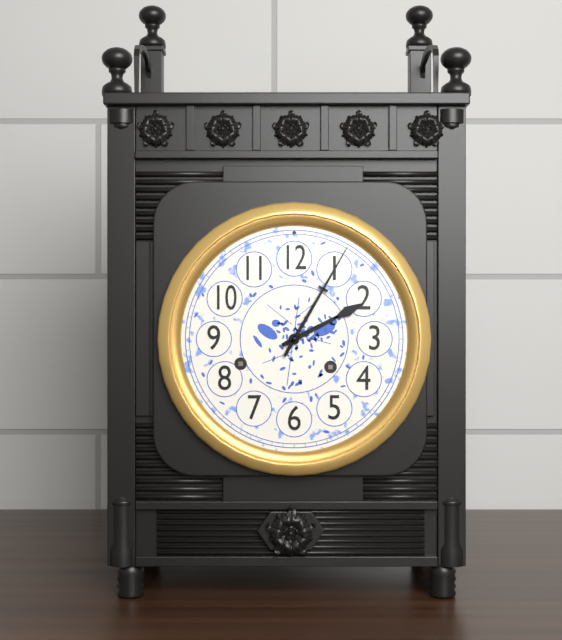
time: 2:05
